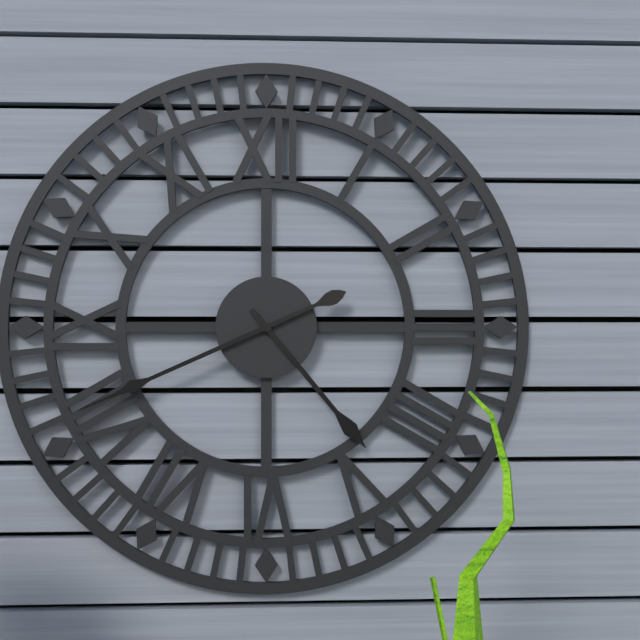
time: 4:41
